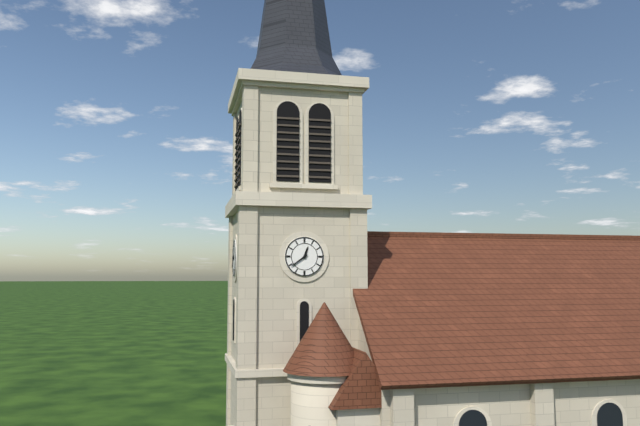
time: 12:39
